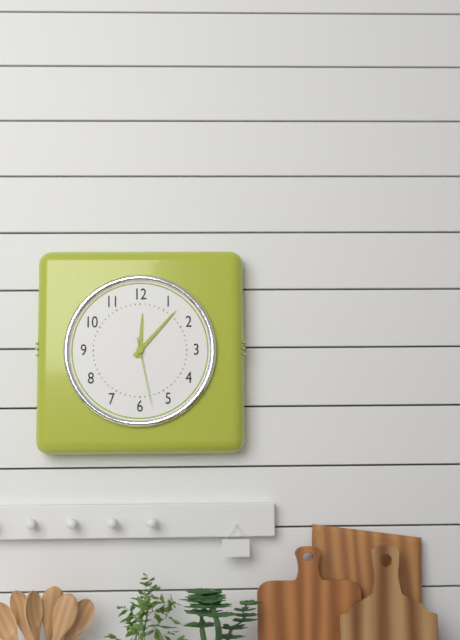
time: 12:07:28
